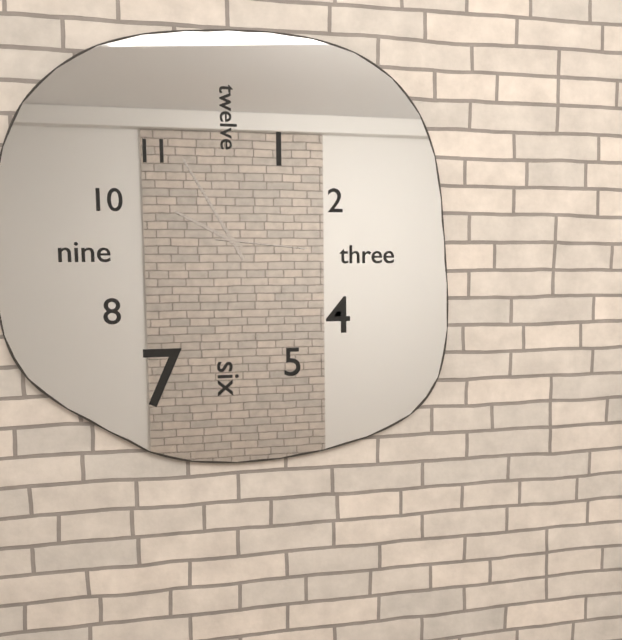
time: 9:55:16
